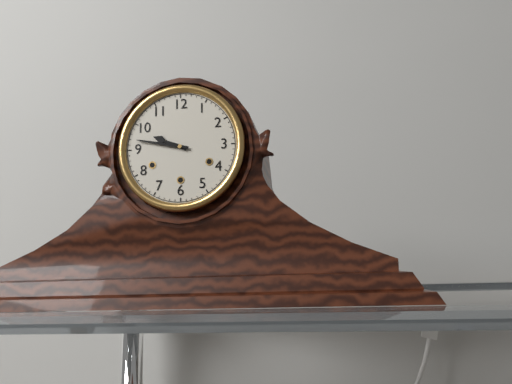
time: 9:47
